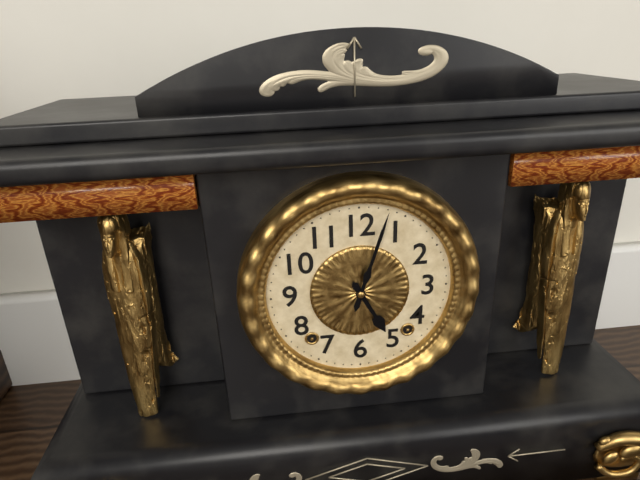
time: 5:03
